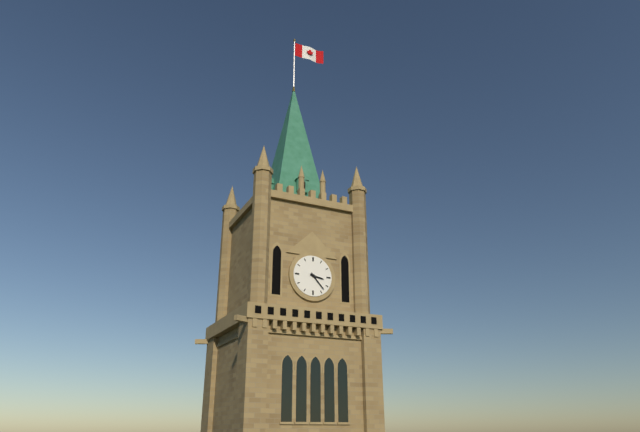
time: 3:23
